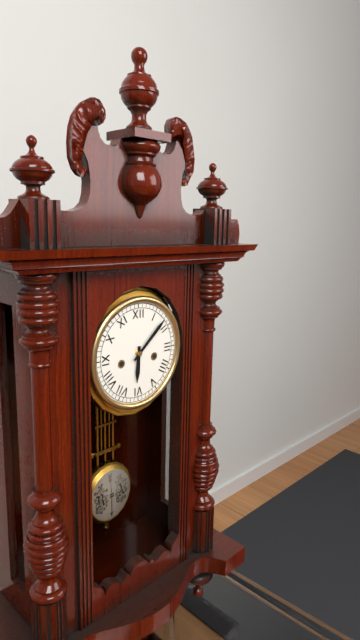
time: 6:08
